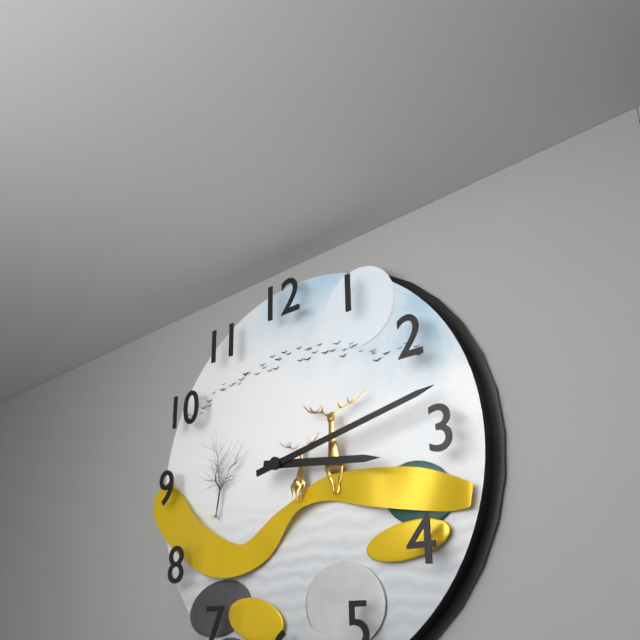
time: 3:13
